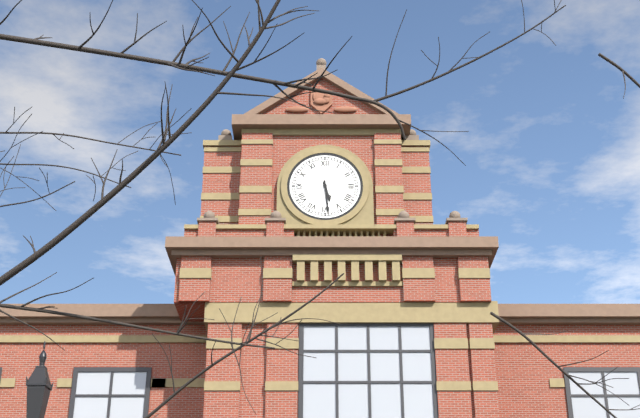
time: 5:29
